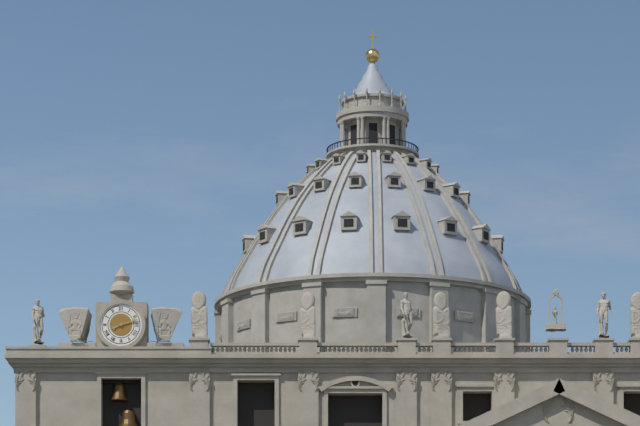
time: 8:12
